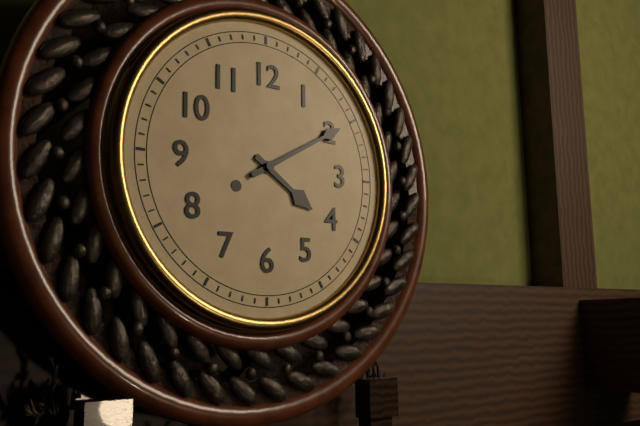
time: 4:10
